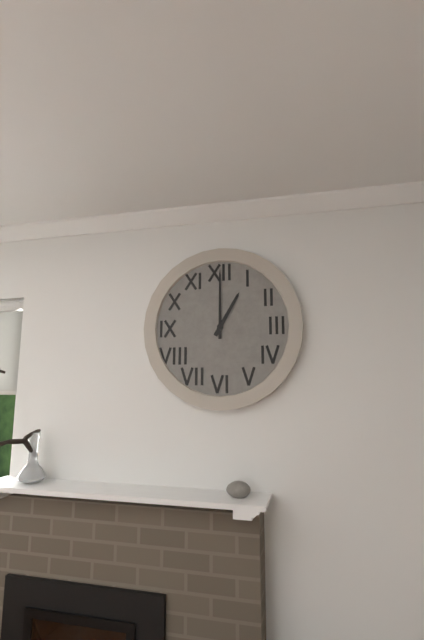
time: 1:00
